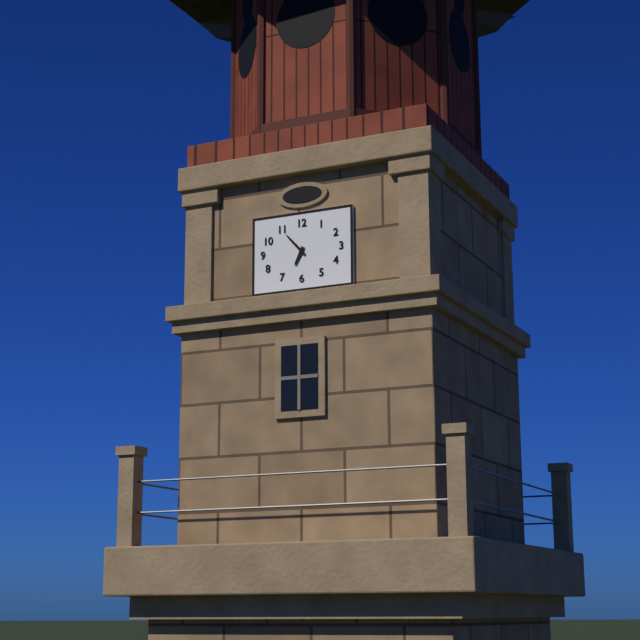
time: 6:53
